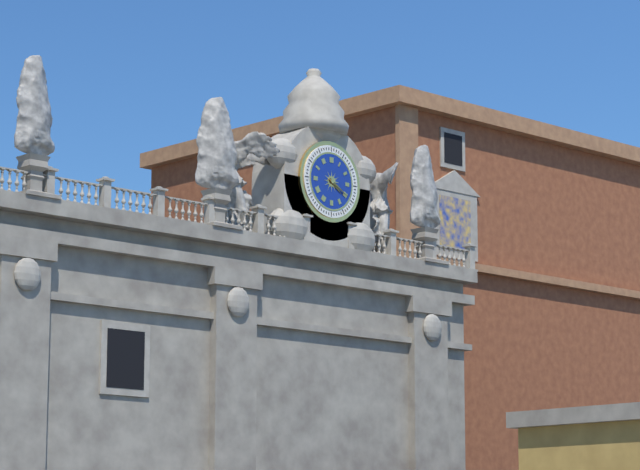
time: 4:20
